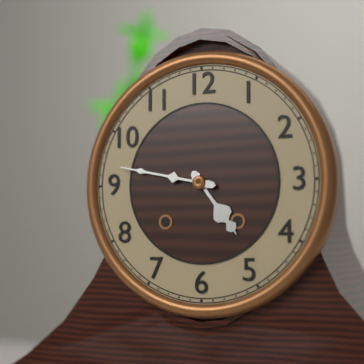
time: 4:47
